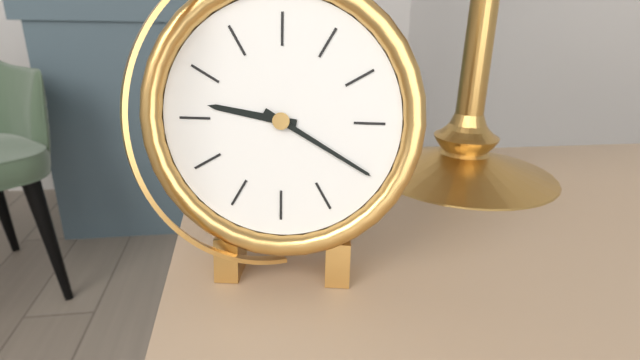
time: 9:20
